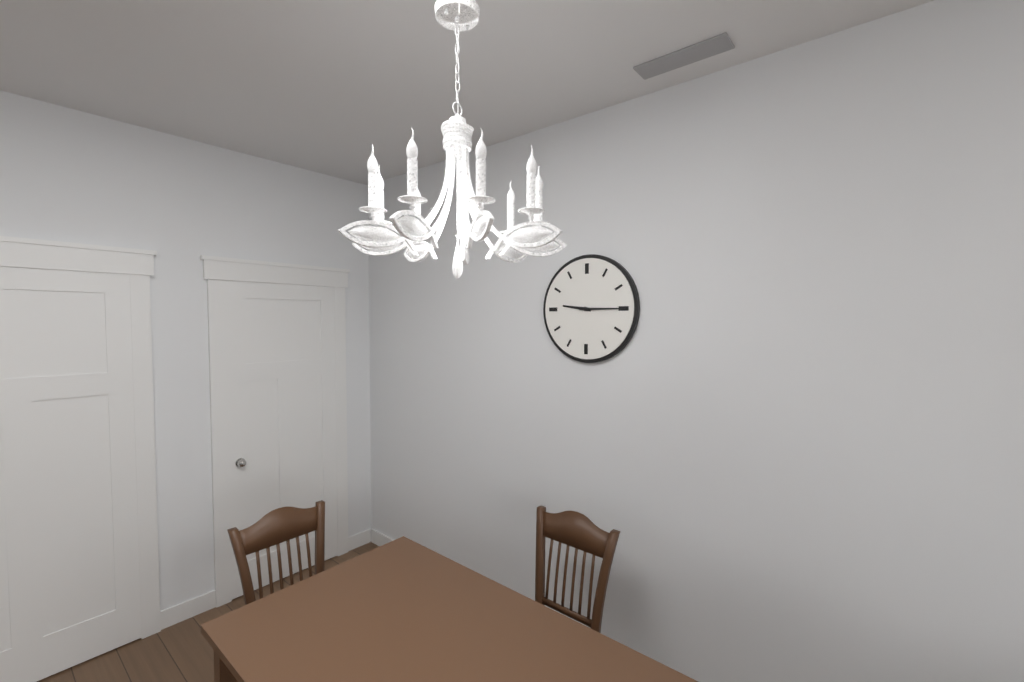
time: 9:15
